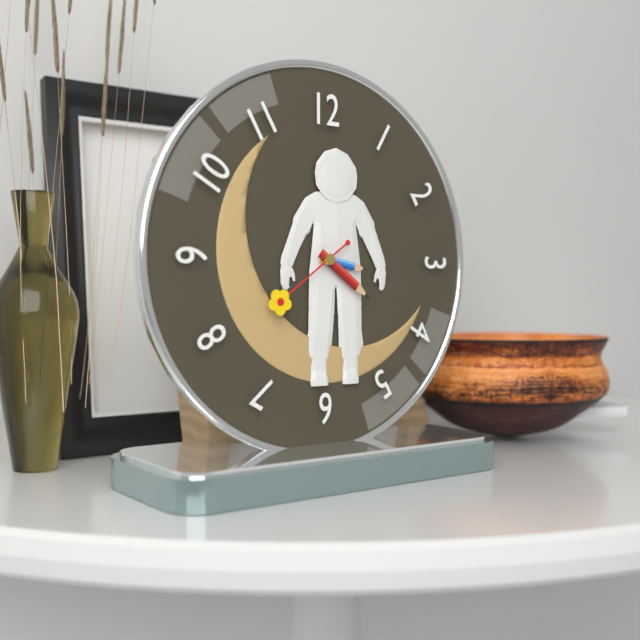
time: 3:21:39
